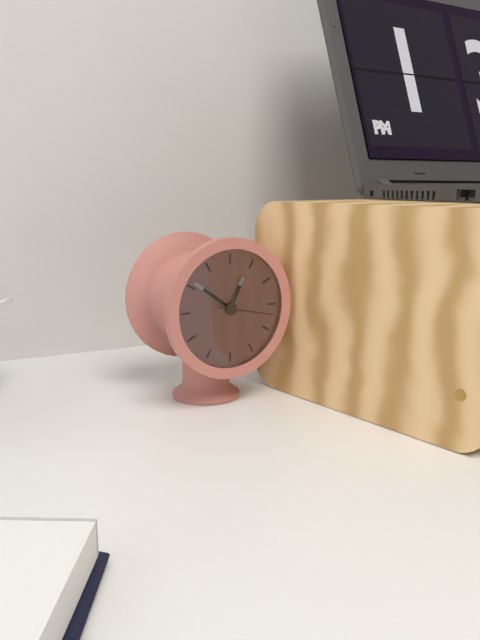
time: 12:51:17
